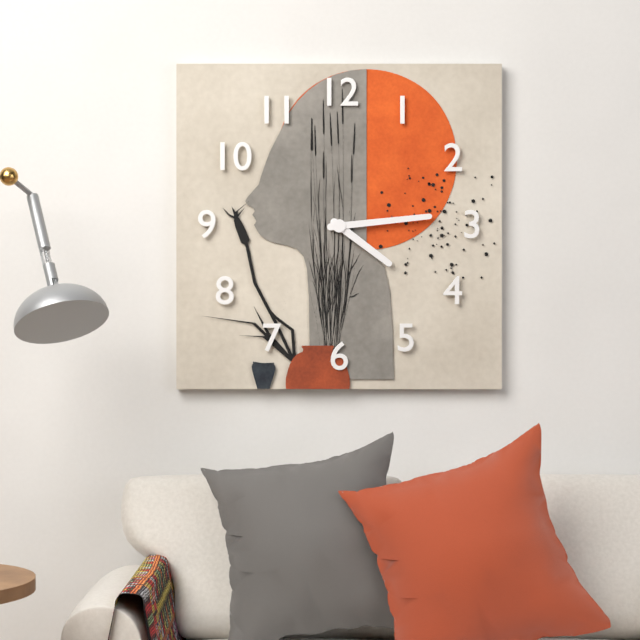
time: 4:14
